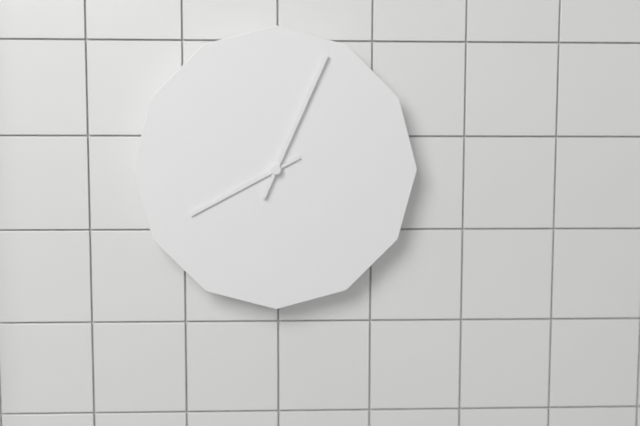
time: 8:04
